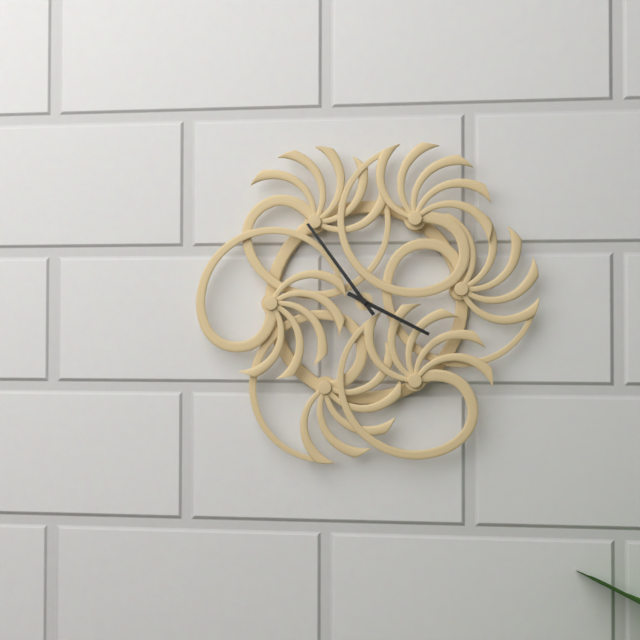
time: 3:54
